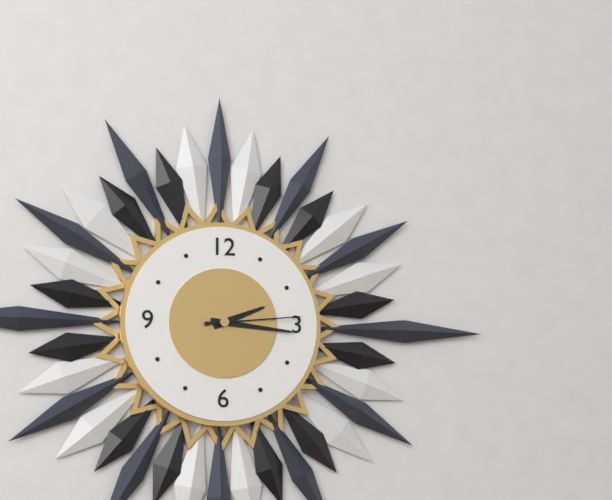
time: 2:16:14
